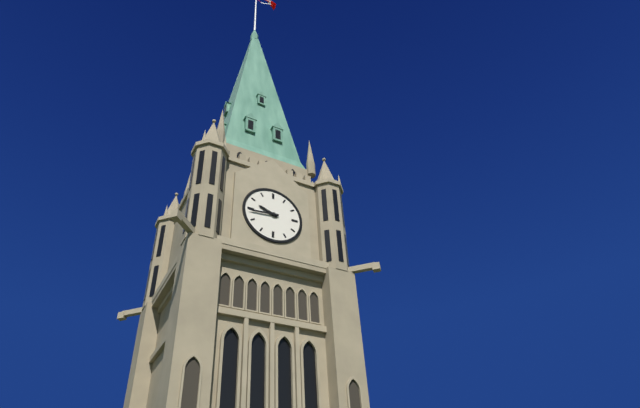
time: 9:44
